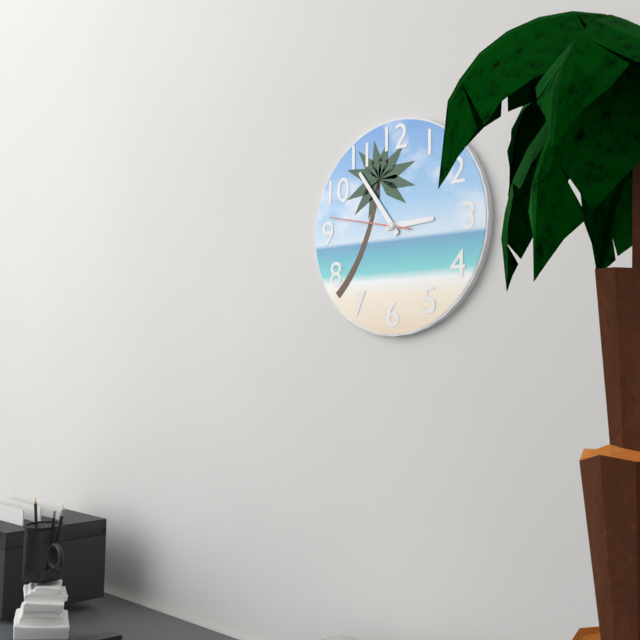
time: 2:54:47
